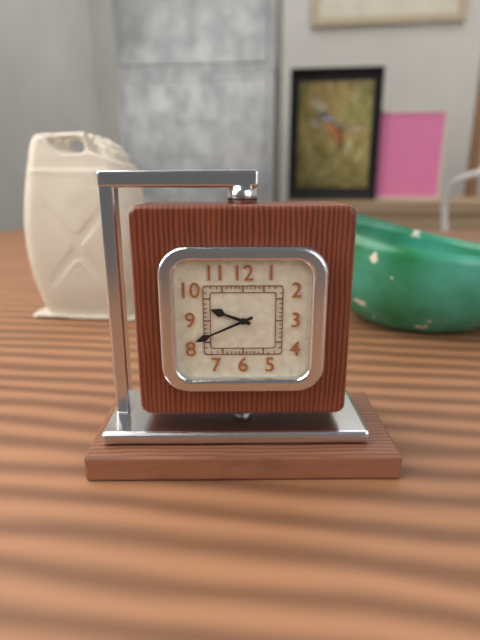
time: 9:41
